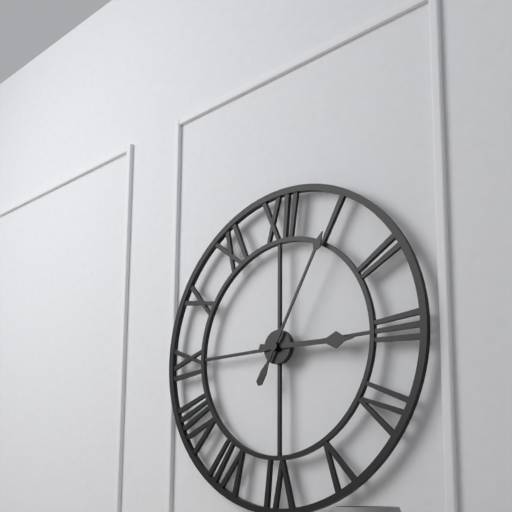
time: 3:05
